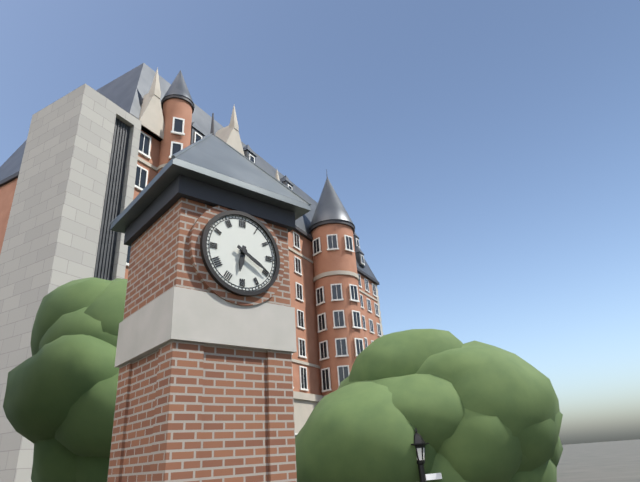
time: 6:20
